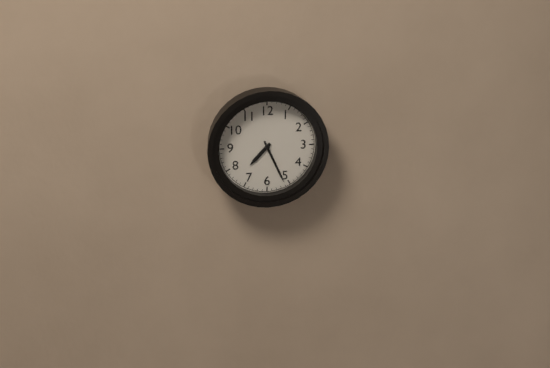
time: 7:26
